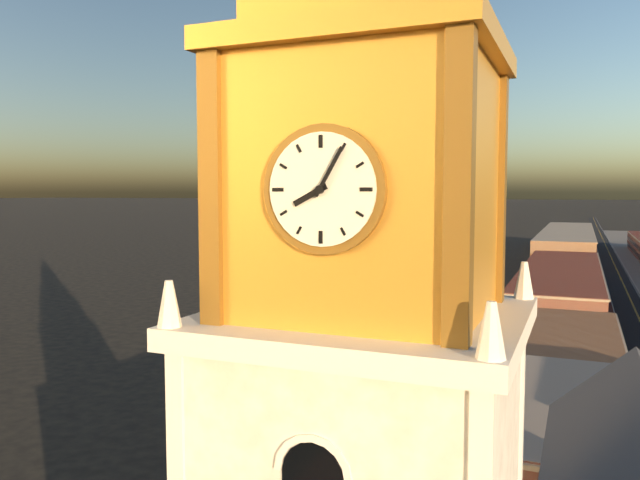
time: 8:05
